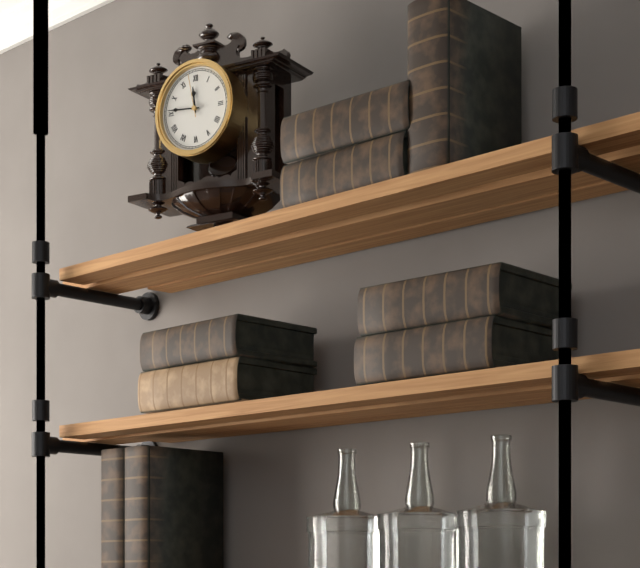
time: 11:46
